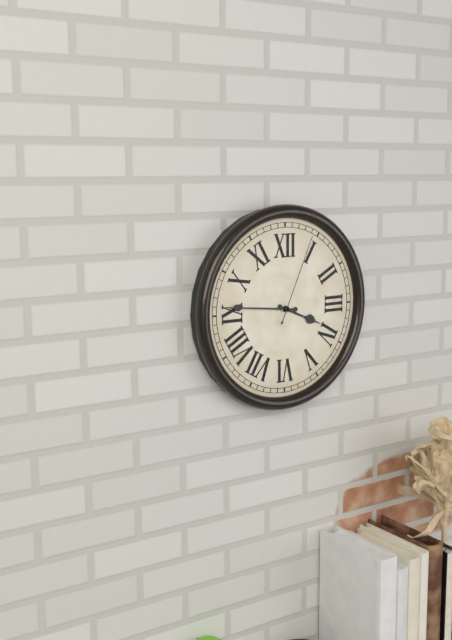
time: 3:46:04
